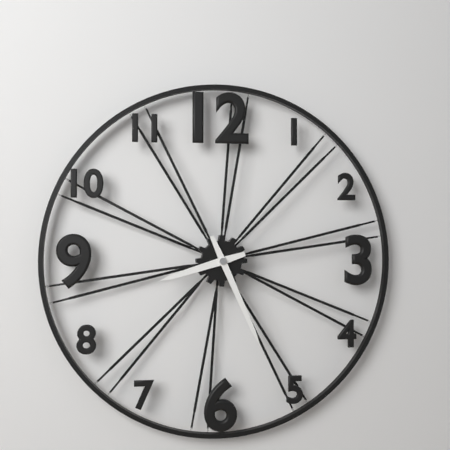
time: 8:26
